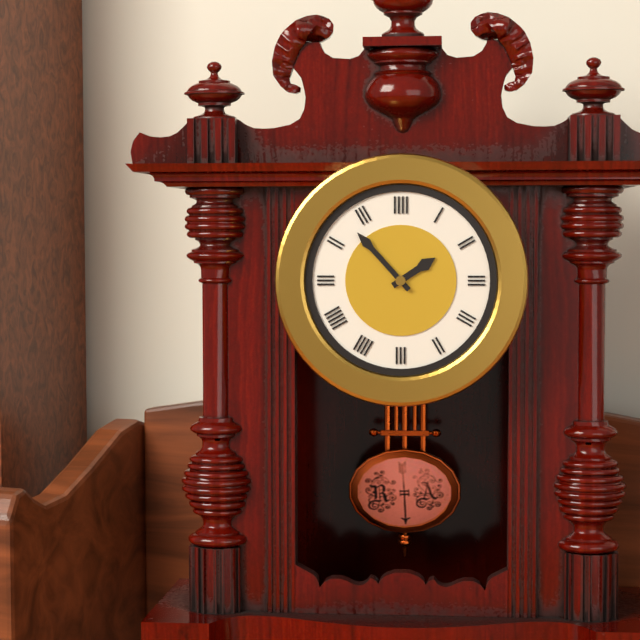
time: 1:53
